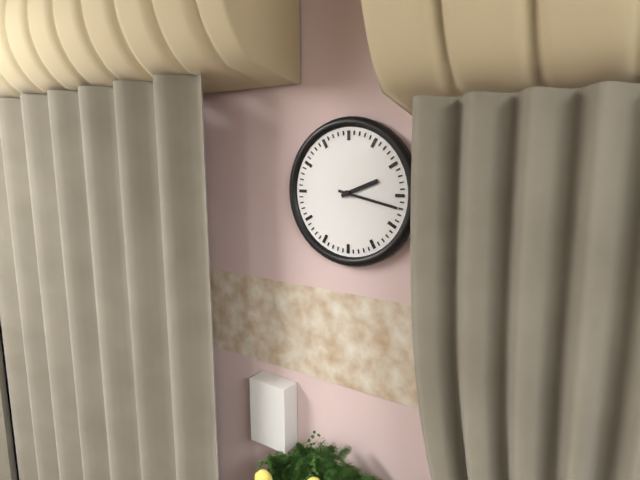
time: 2:17
